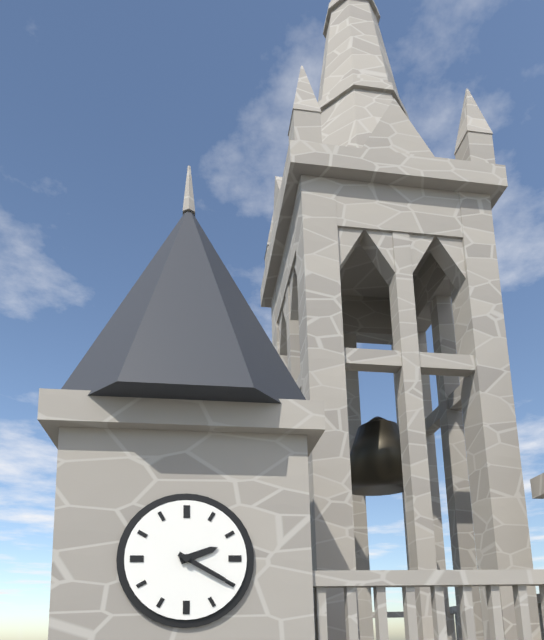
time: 2:20
